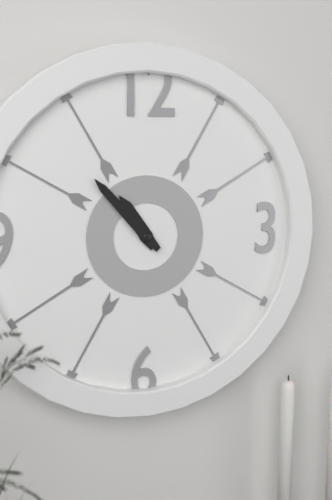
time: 10:53
